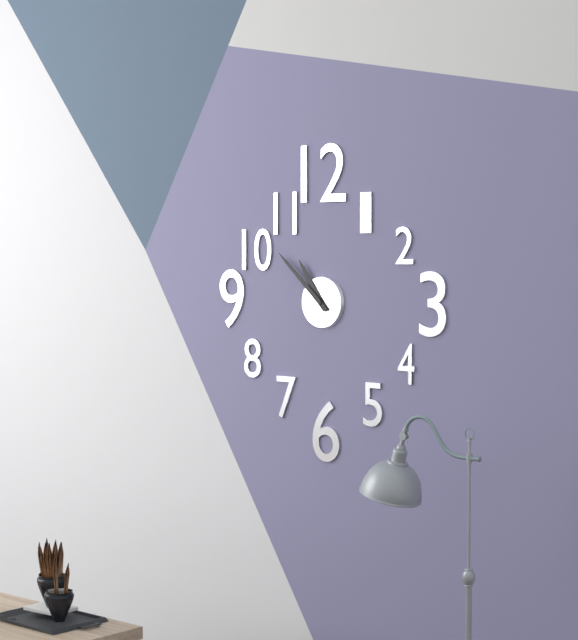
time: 10:52
